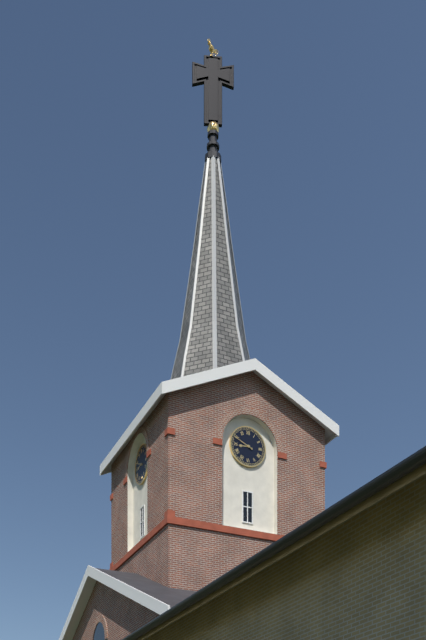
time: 8:49
